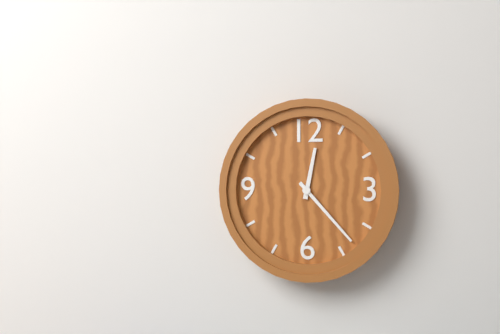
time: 12:23
